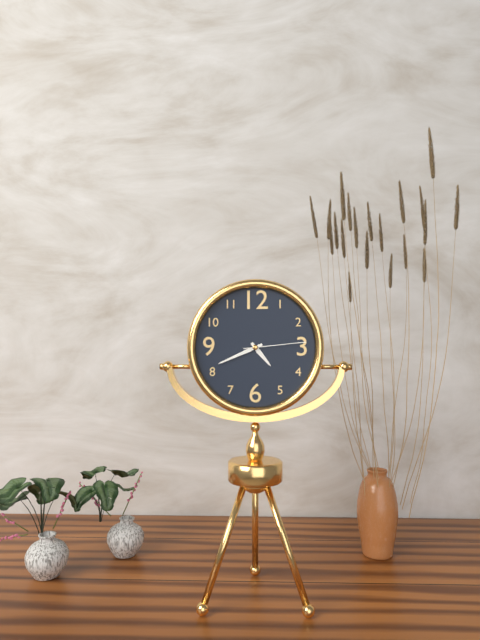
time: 4:41:14
